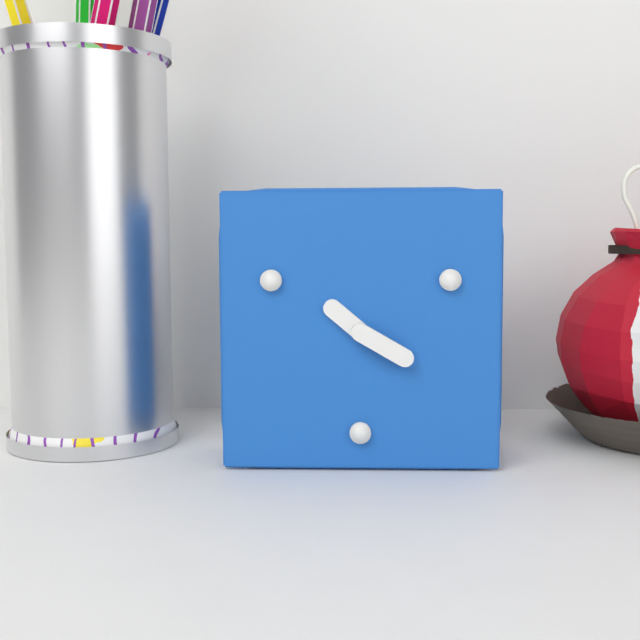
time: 10:20
